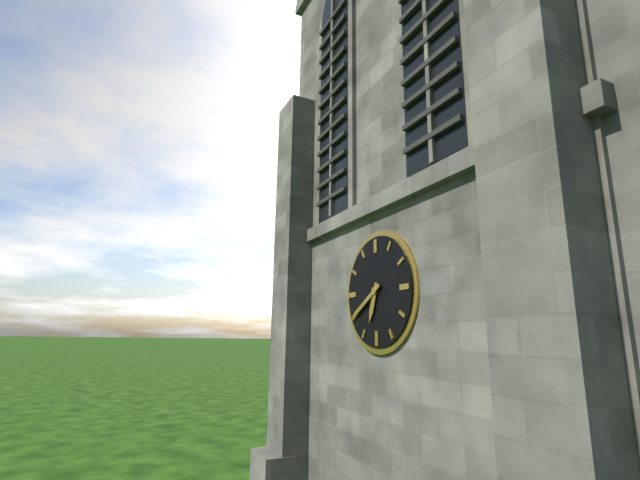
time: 6:40
